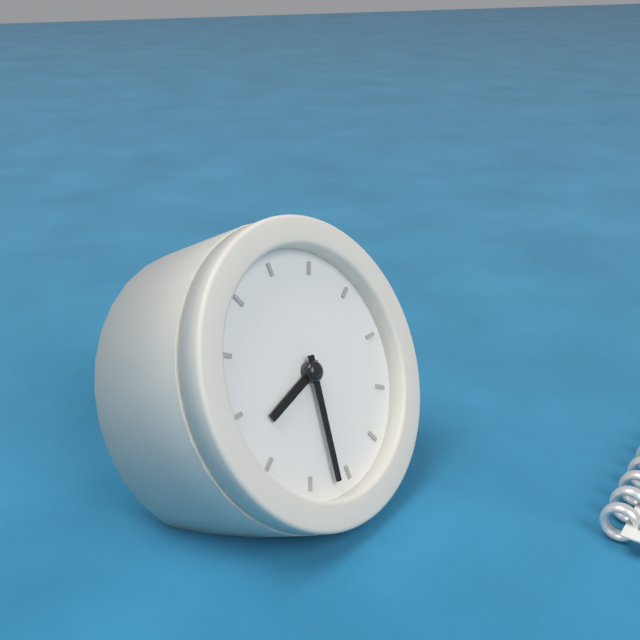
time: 8:32
